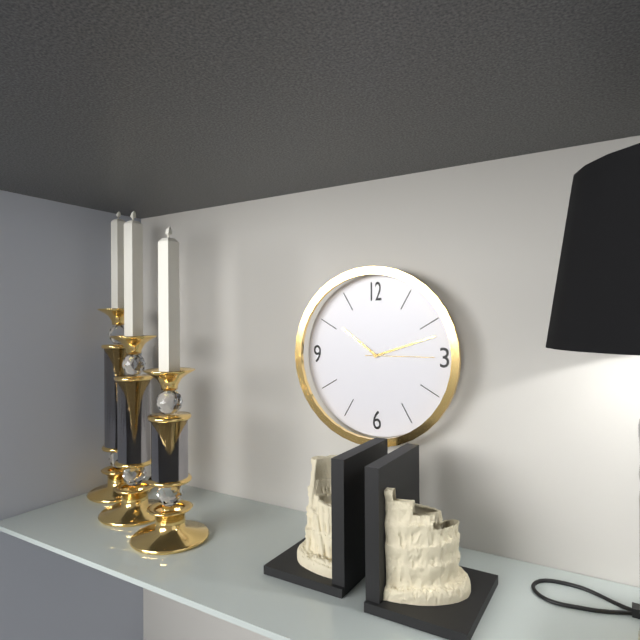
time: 10:12:15
